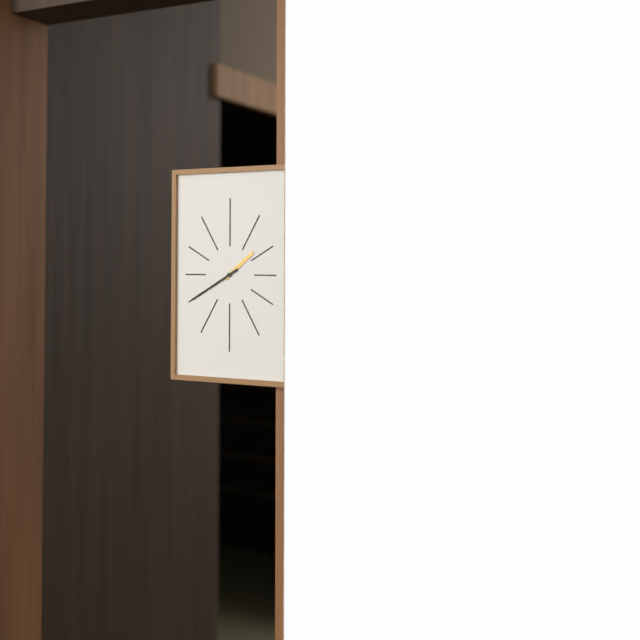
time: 1:40
